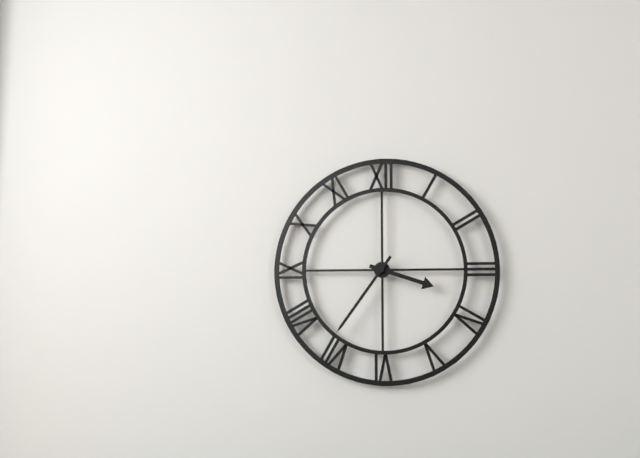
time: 3:36
